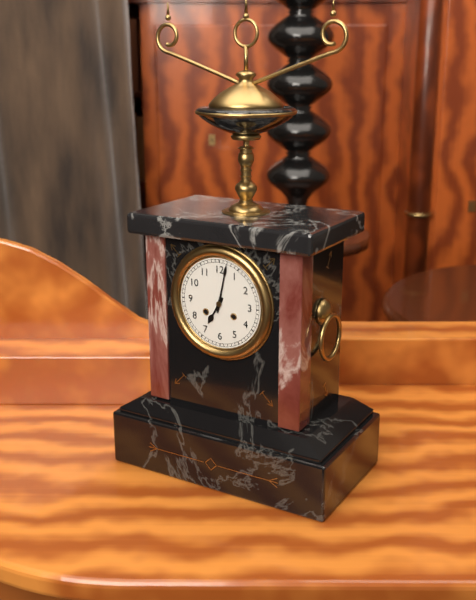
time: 7:02
